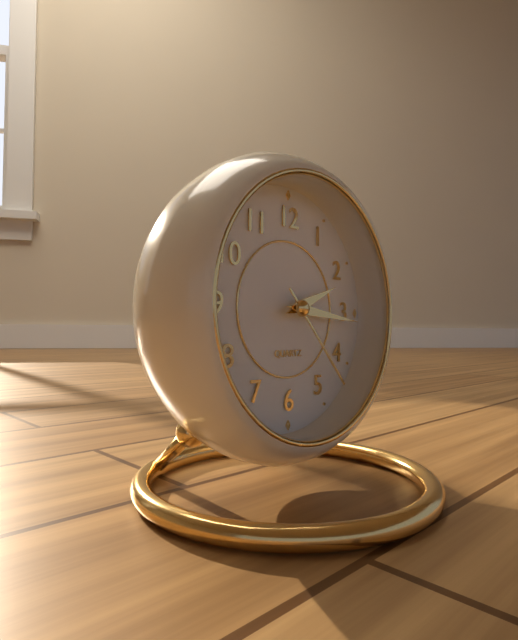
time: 2:16:23
